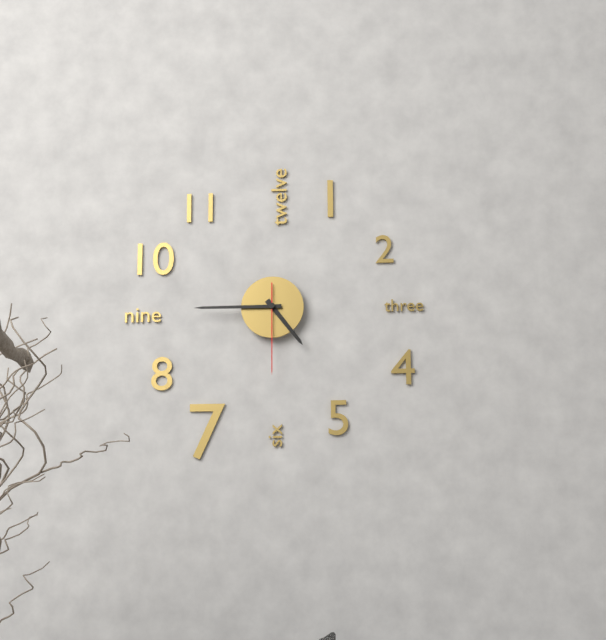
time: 4:45:30
